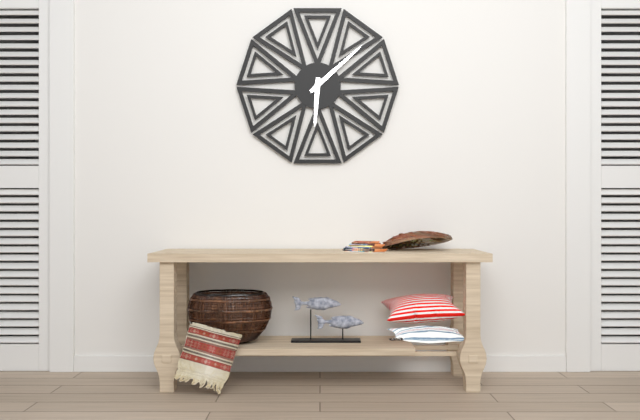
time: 6:08
